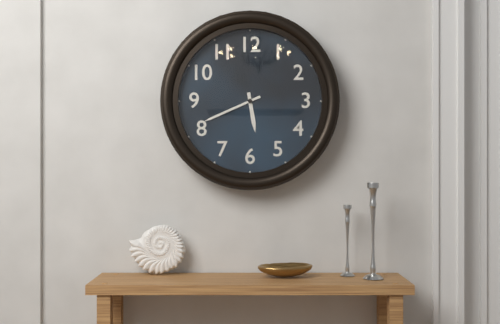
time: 5:41
